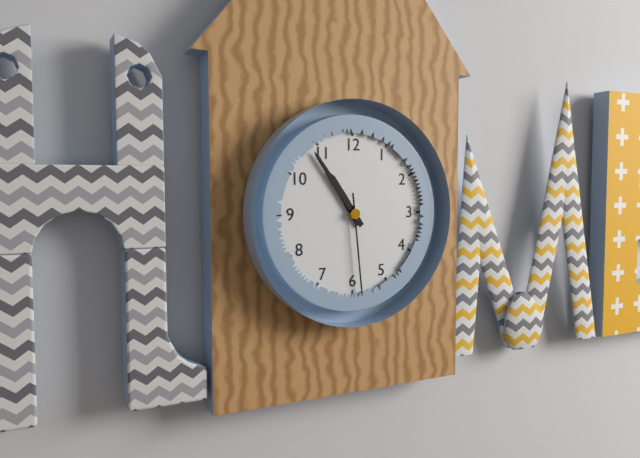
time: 10:54:29
